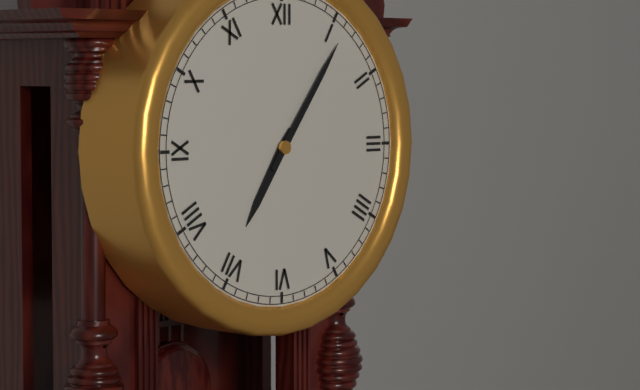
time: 7:06
